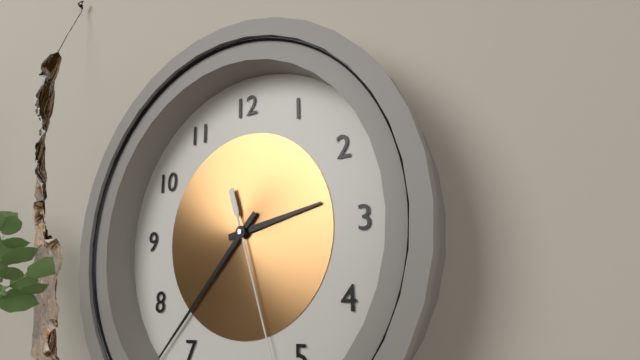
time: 2:37
